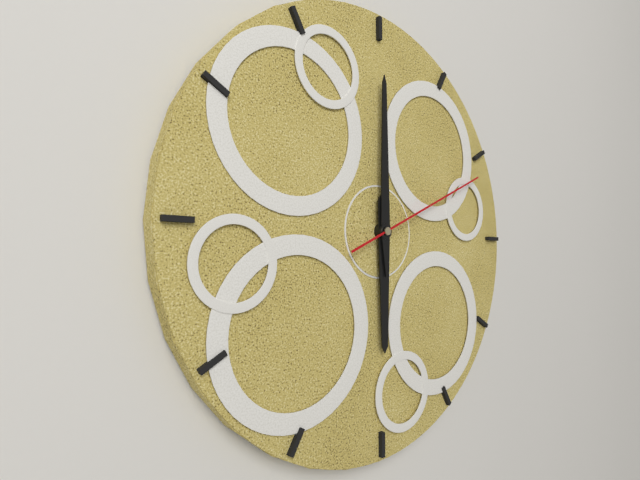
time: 6:00:11
